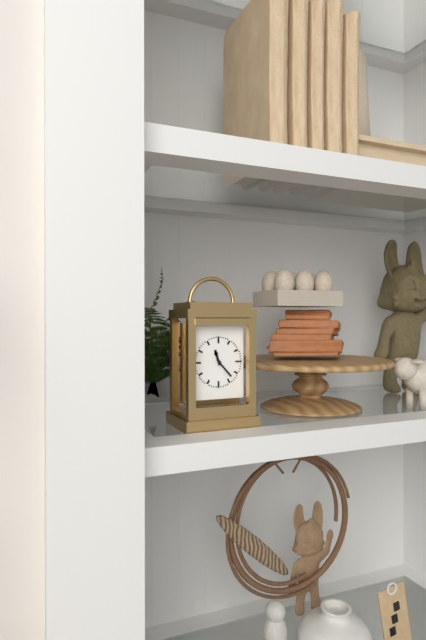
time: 11:23
